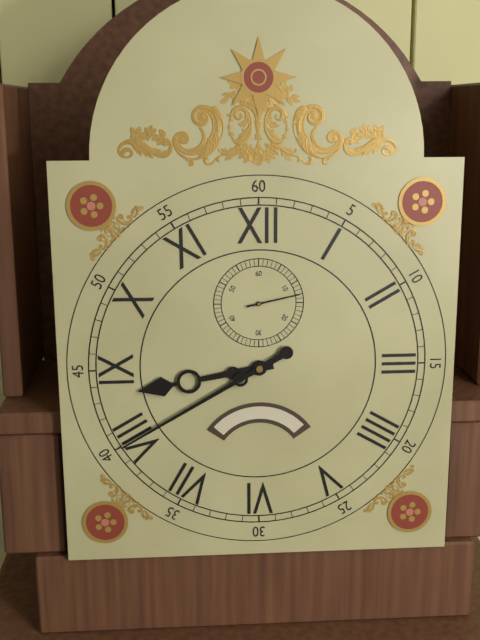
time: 8:40:13
